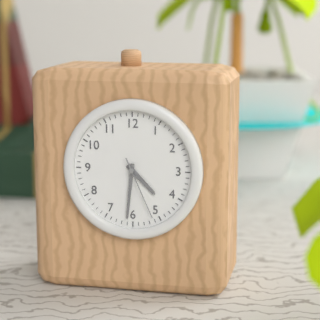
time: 4:31:26
